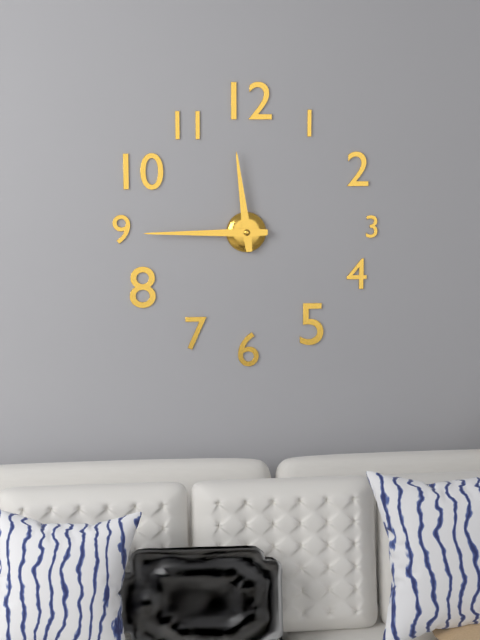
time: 11:45
